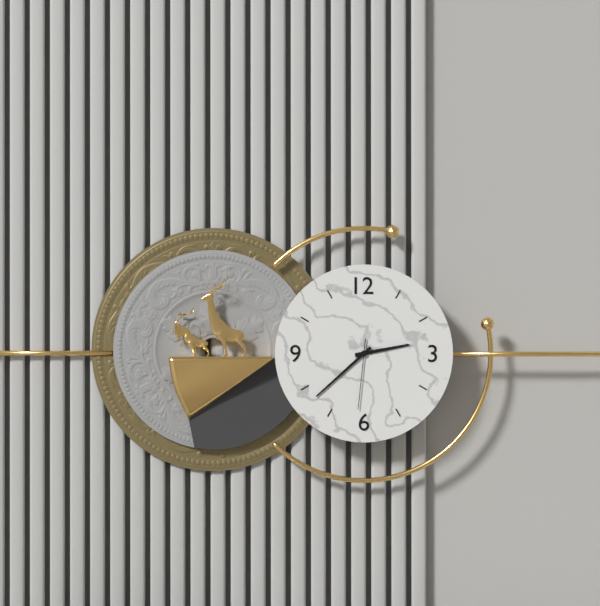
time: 2:38:31
